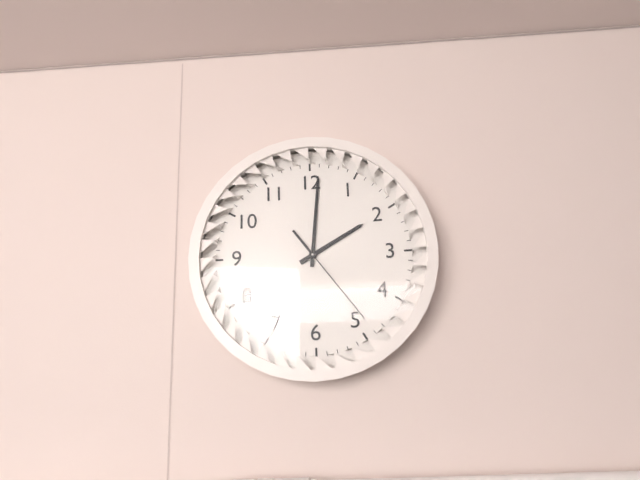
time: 2:01:24
